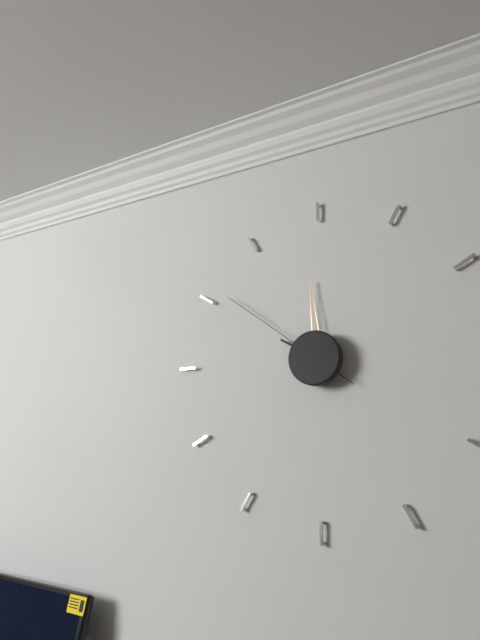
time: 9:59:51
